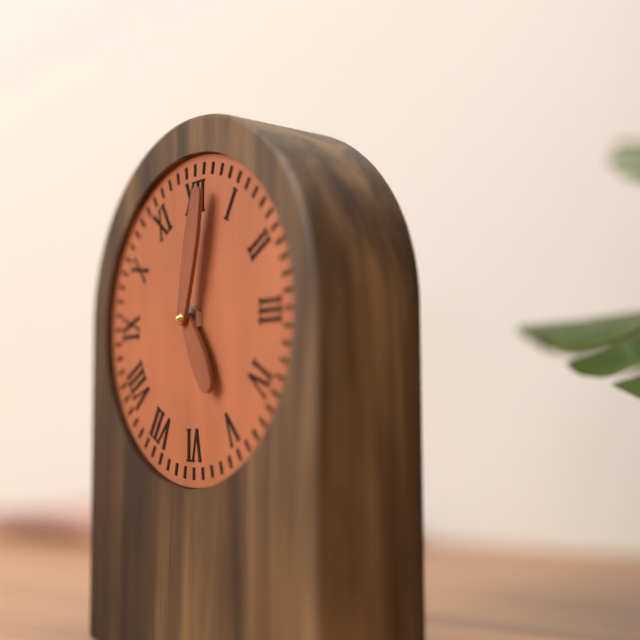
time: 5:02
